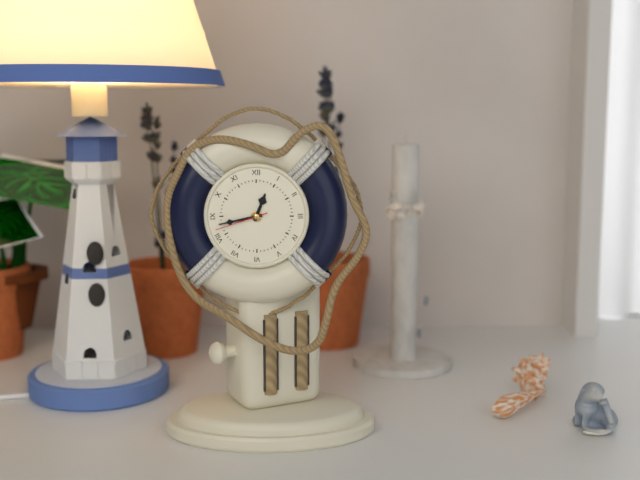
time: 12:43:42
